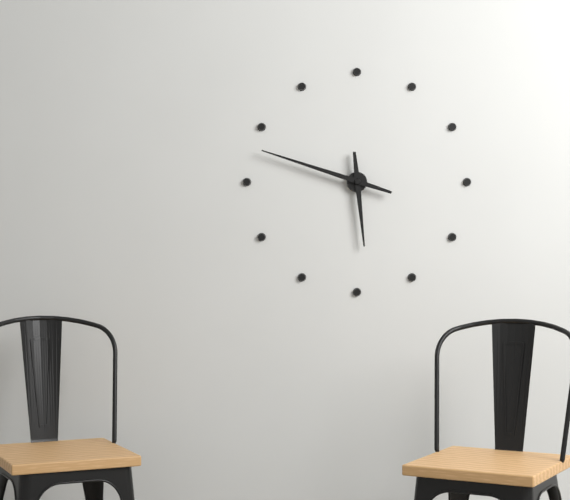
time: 5:48
